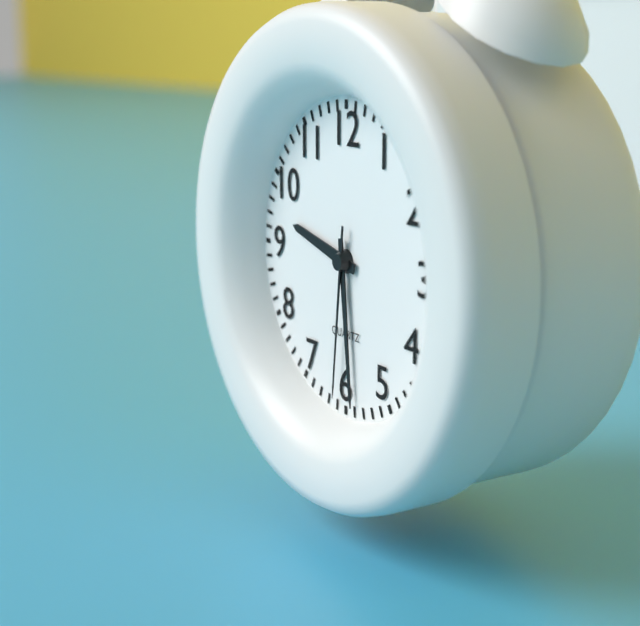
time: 9:29:31
